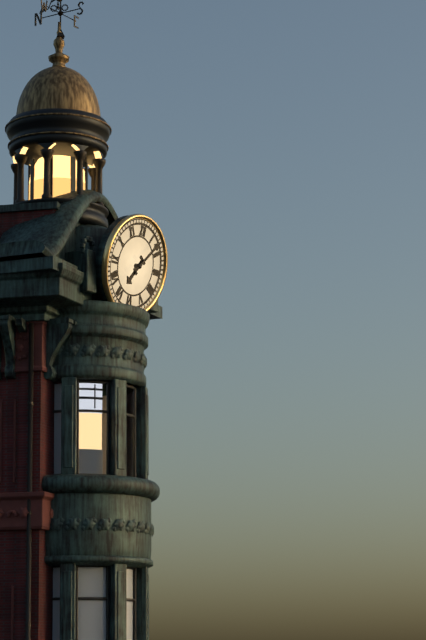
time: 7:07
